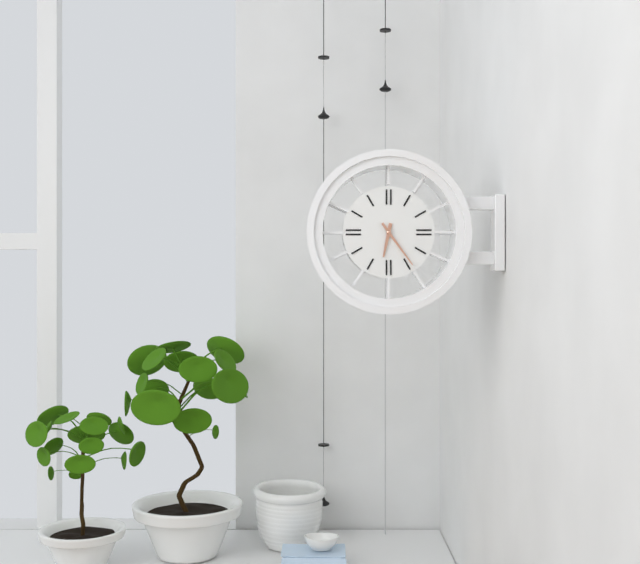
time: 6:24
